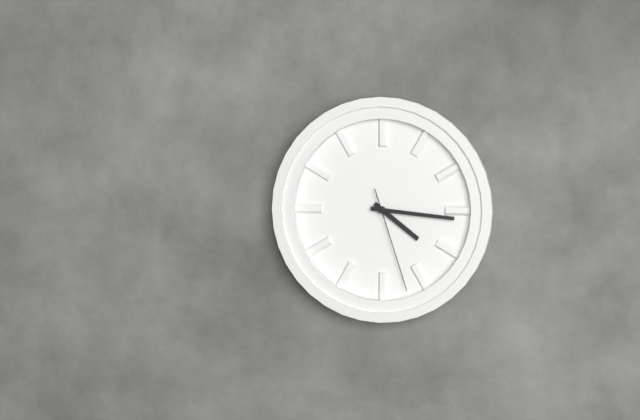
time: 4:16:27
